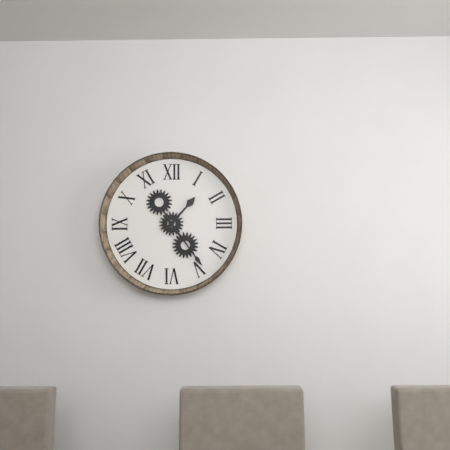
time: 1:24
